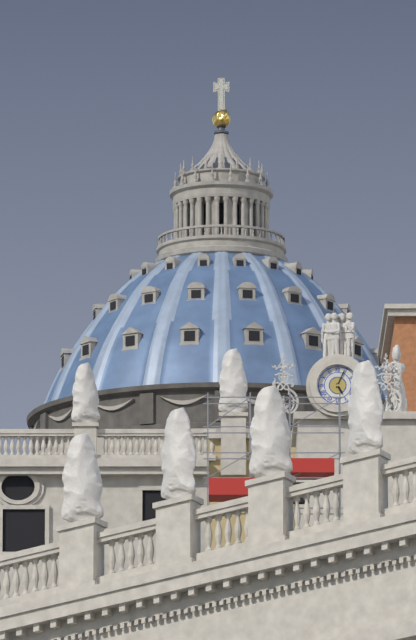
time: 5:04
